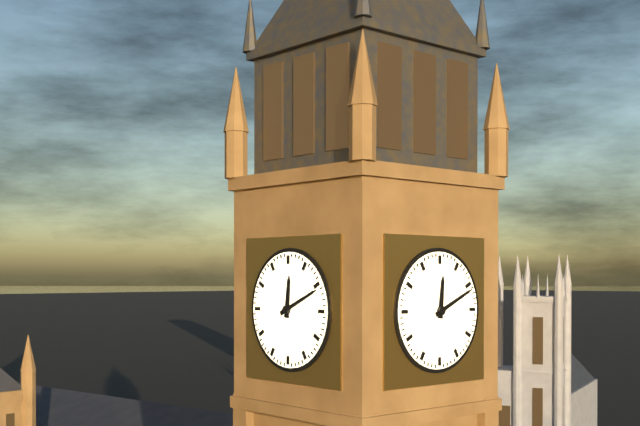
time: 12:11
